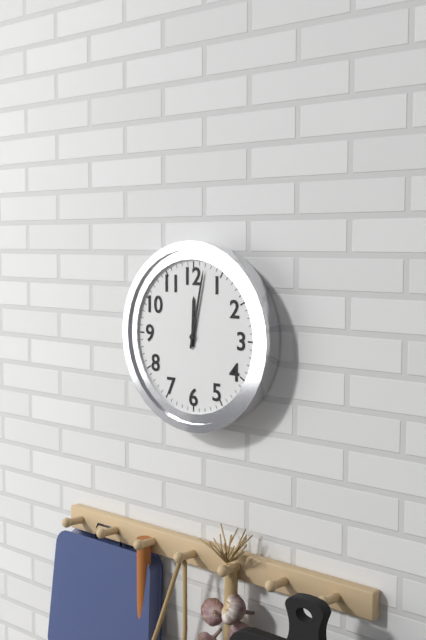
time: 12:02
